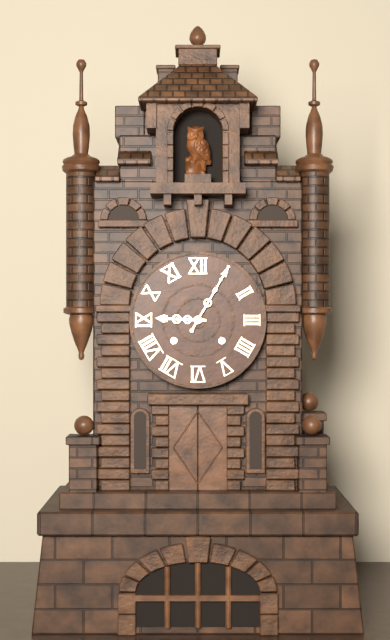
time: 9:05
